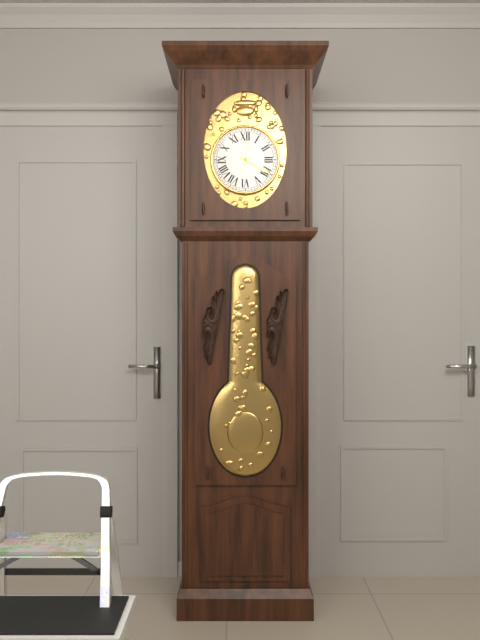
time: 12:20
